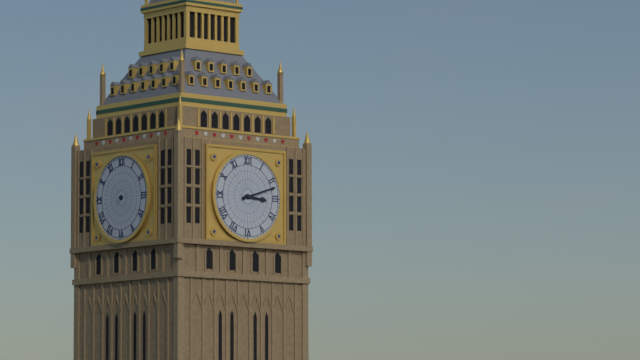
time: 3:12
